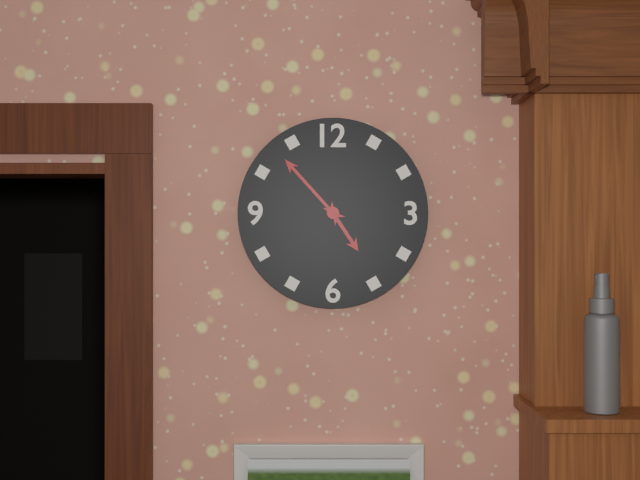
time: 4:53
